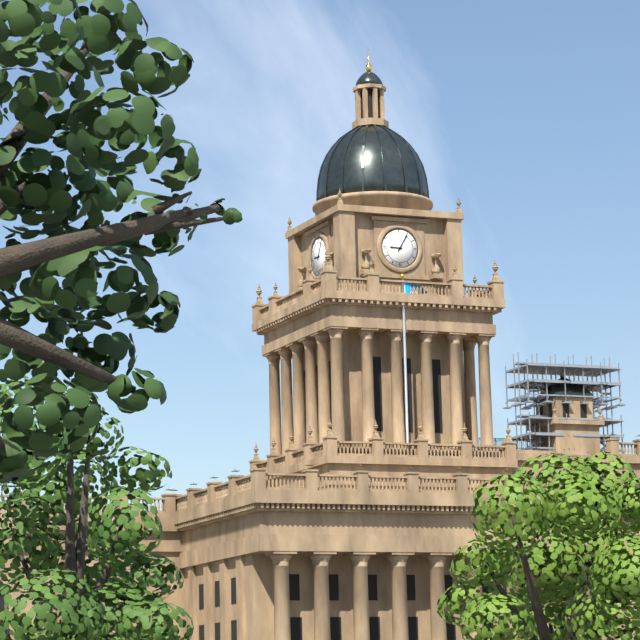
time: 9:05
